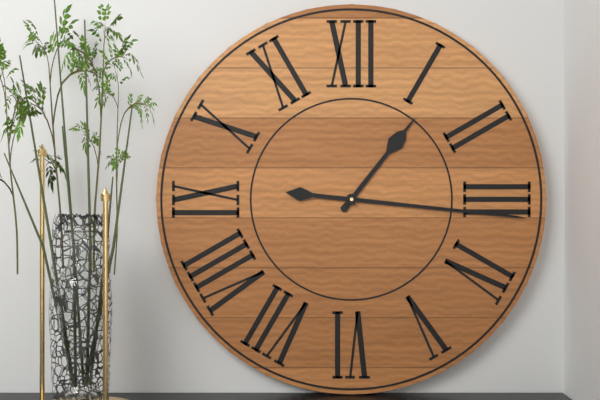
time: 1:16
